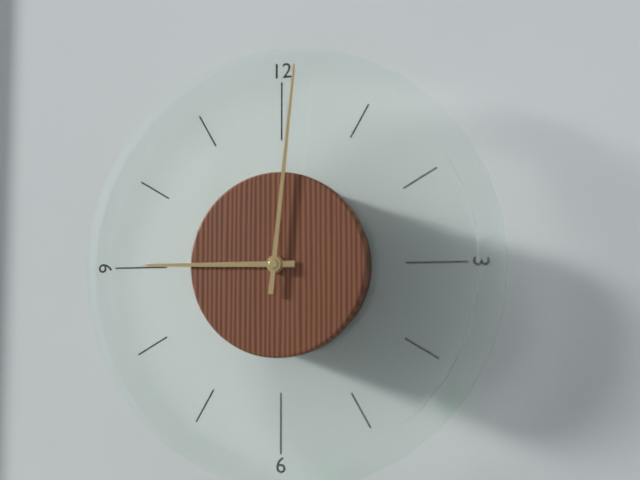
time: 9:01
